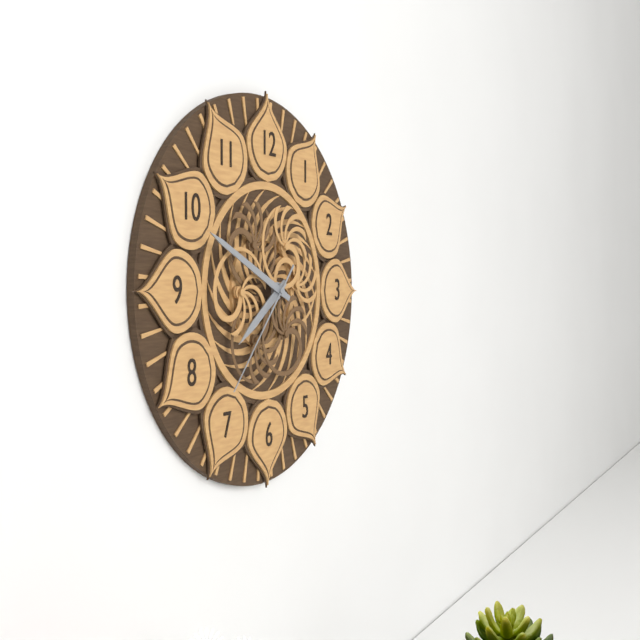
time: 7:49:37
